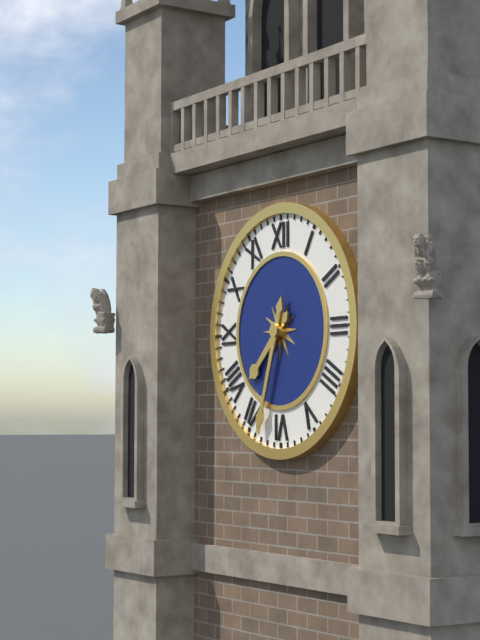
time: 7:33
